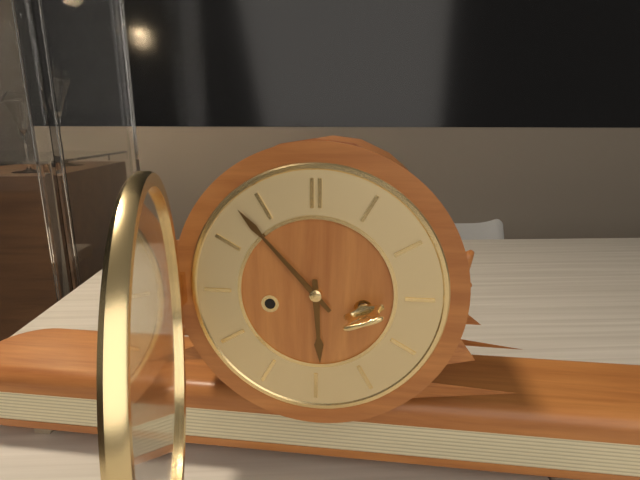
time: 5:53
